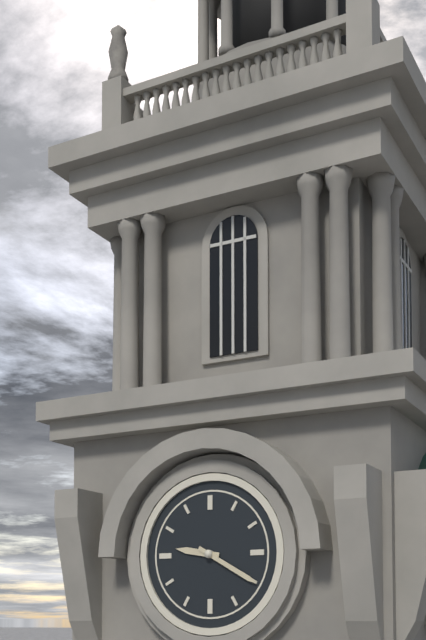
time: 9:20
